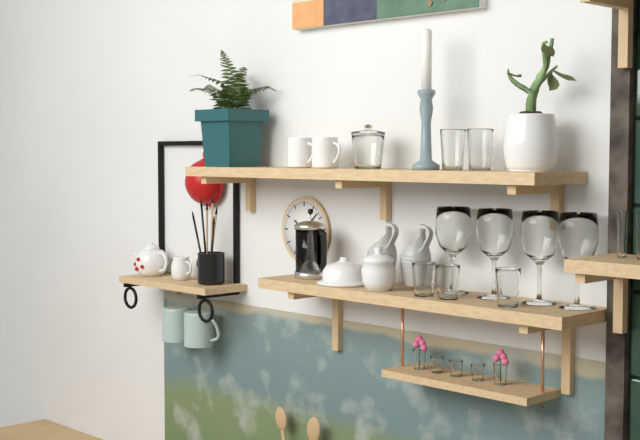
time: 10:08
